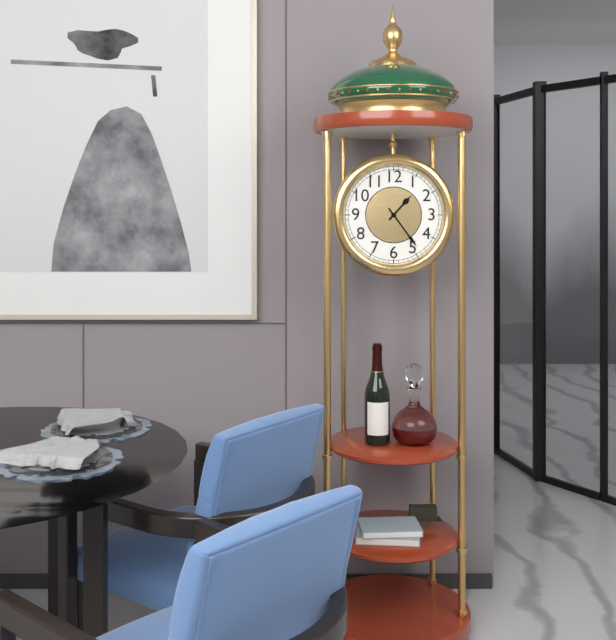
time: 1:24
